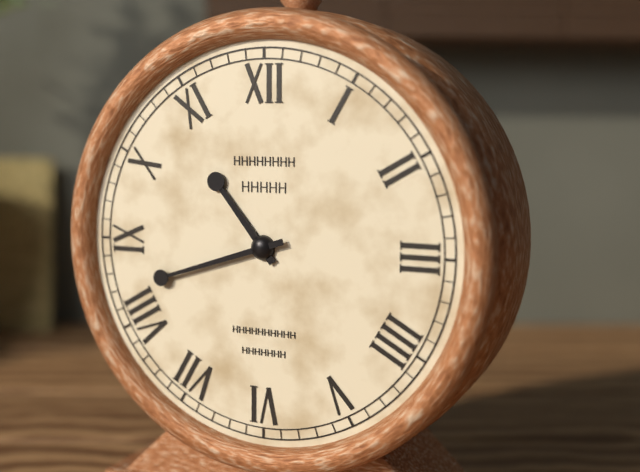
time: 10:42
